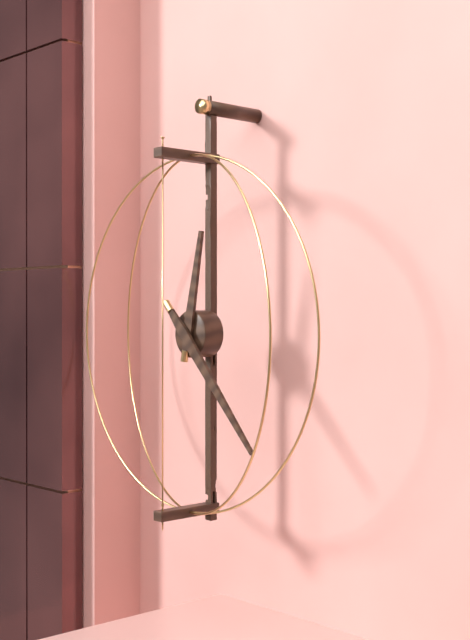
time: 12:23
